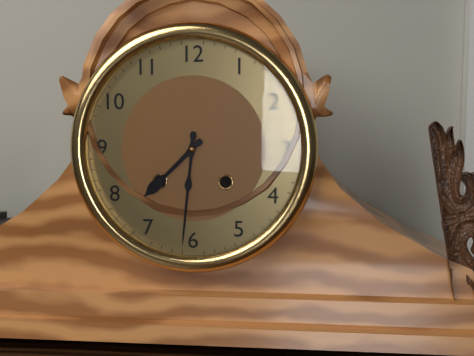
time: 7:31
